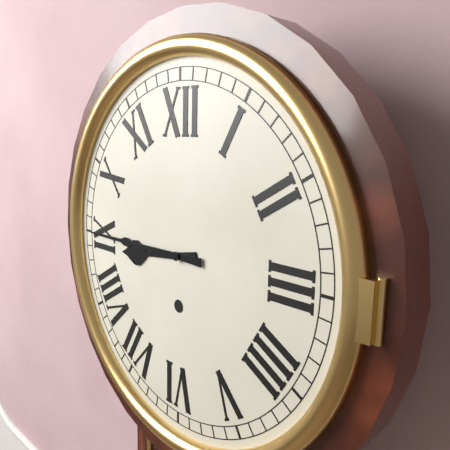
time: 8:45
